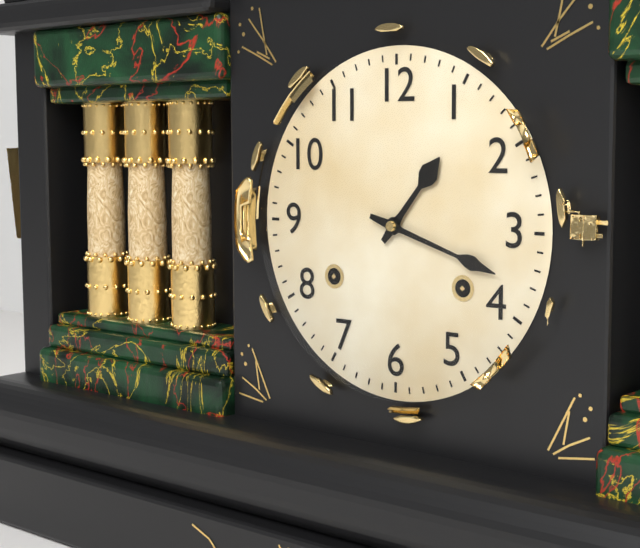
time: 1:18
